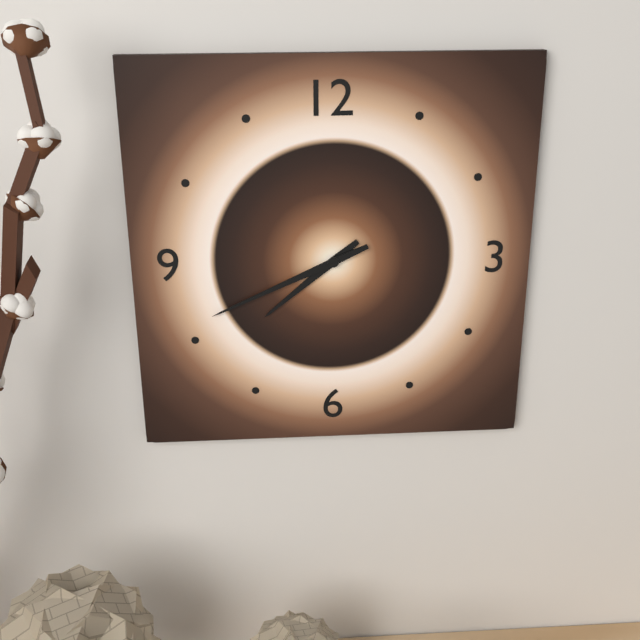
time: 7:41
